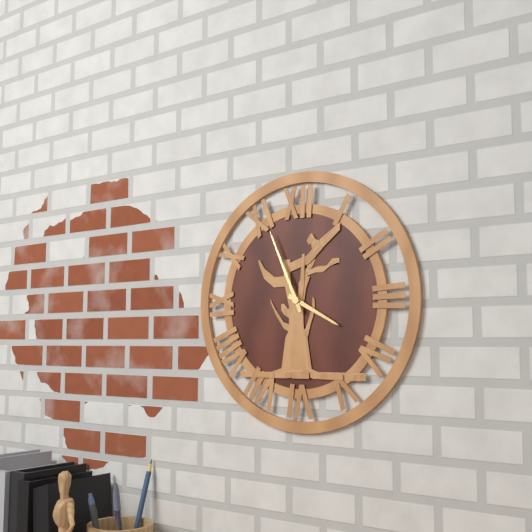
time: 3:56
